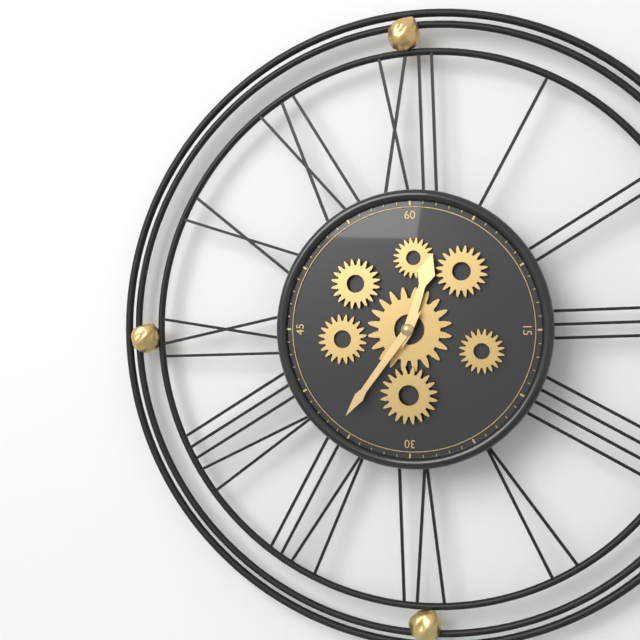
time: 12:36
